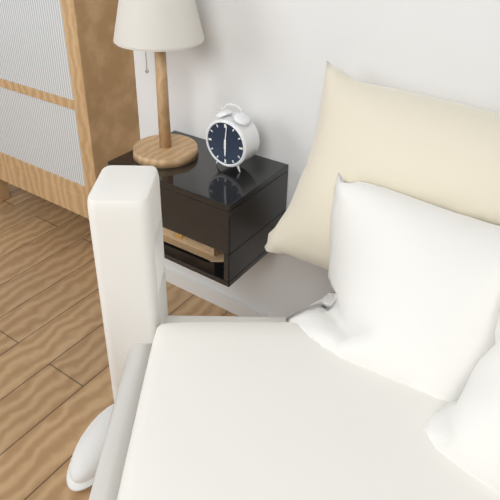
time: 6:01
